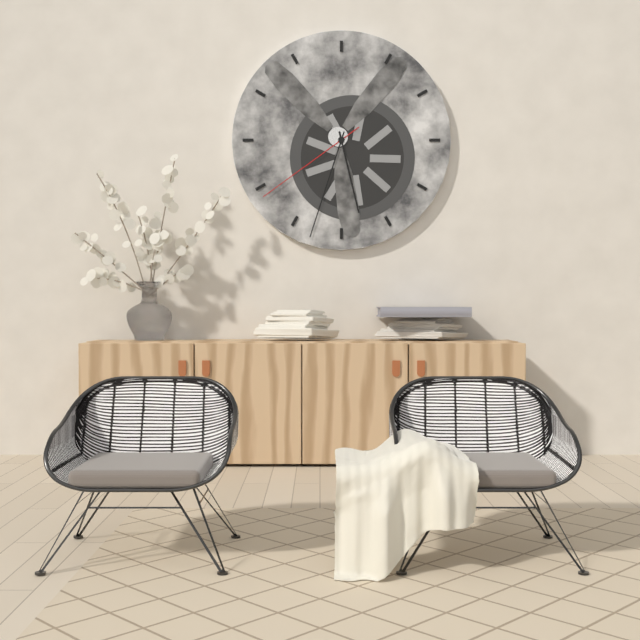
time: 5:33:39
